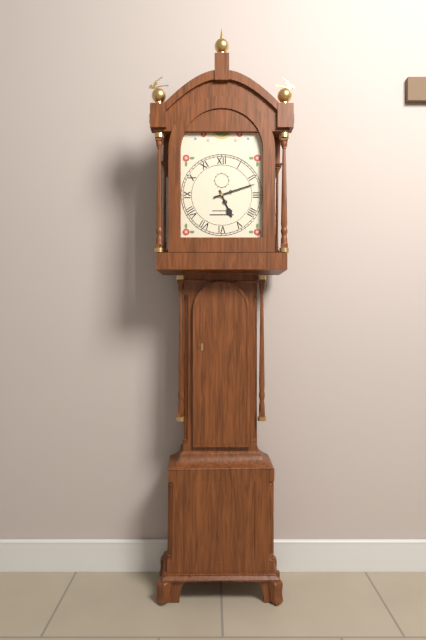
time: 5:12
